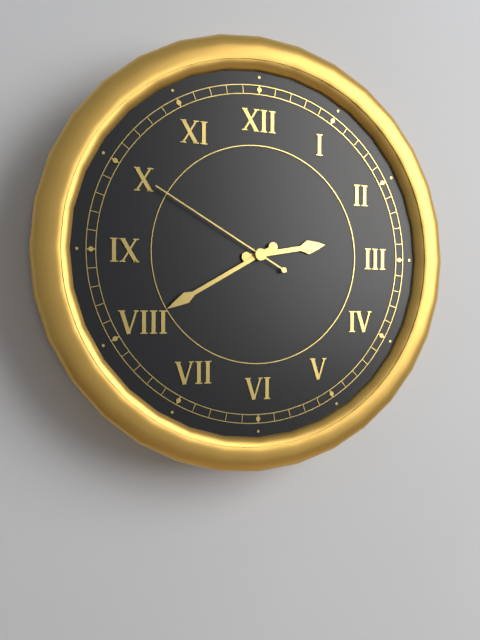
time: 2:40:50
